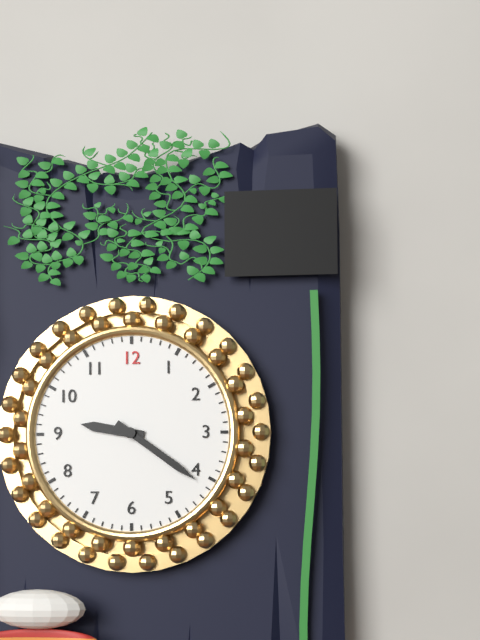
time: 9:21
